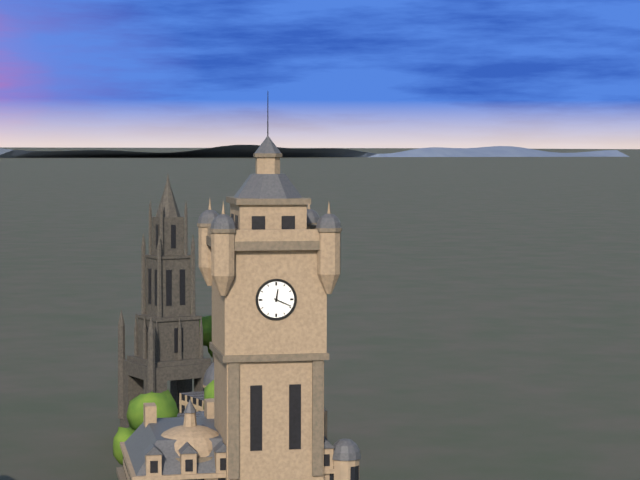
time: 12:19
